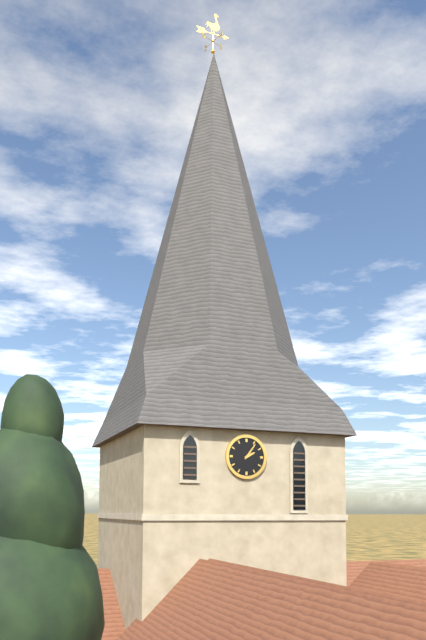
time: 2:06
